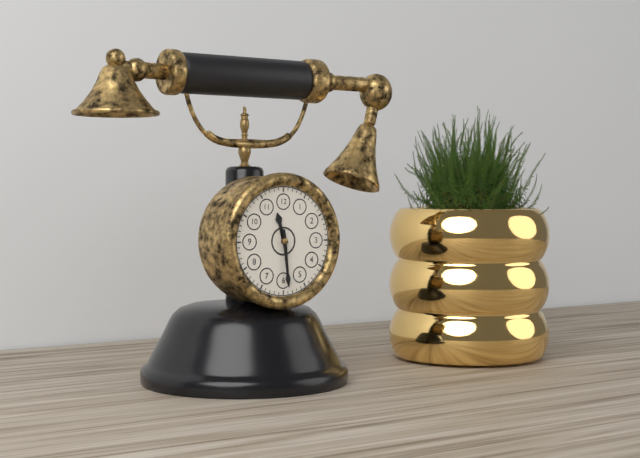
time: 11:29
